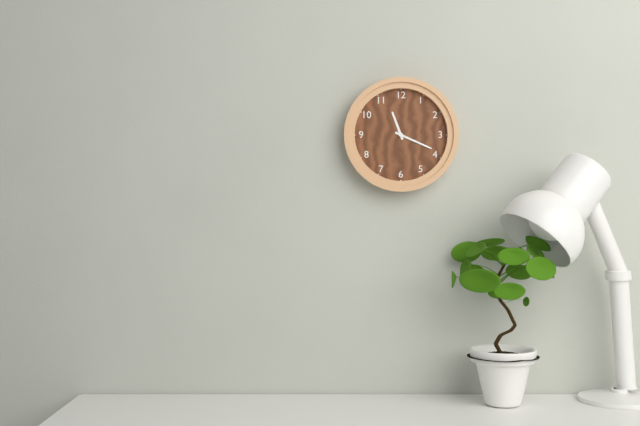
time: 11:19
